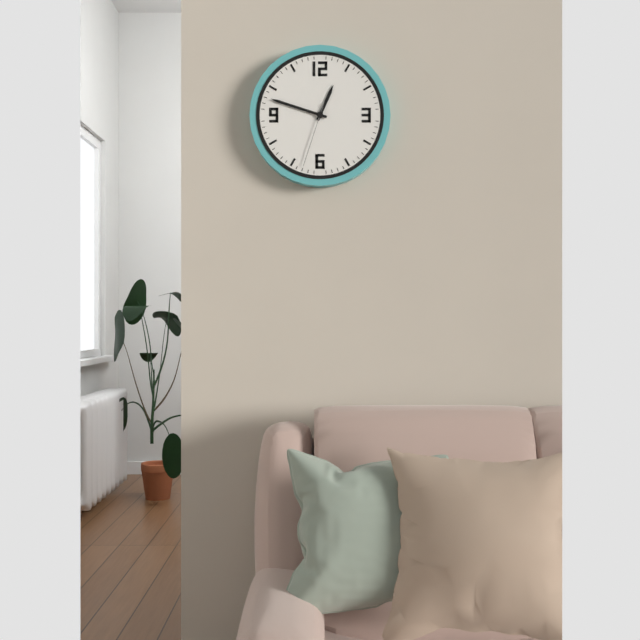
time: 12:48:33
